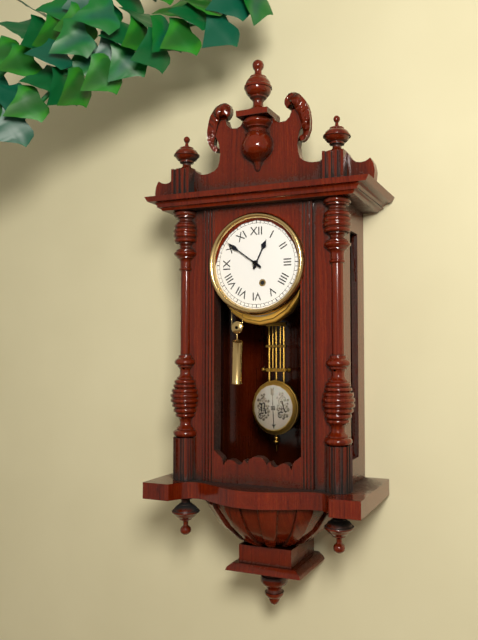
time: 12:51
